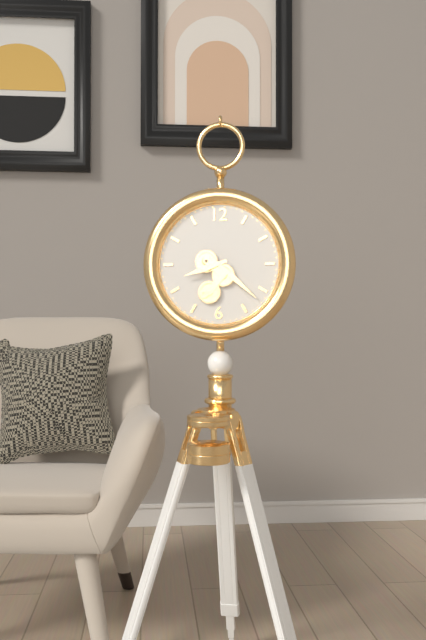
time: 8:22
